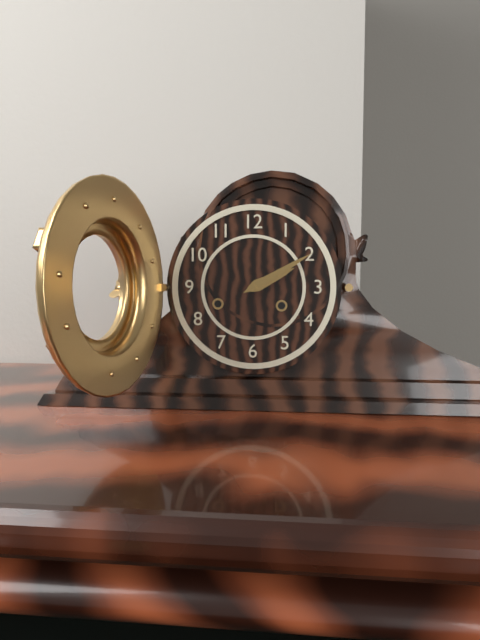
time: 2:10
